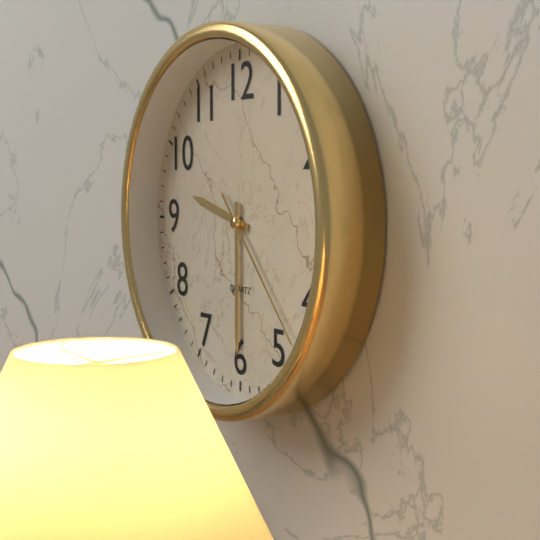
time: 9:30:23
